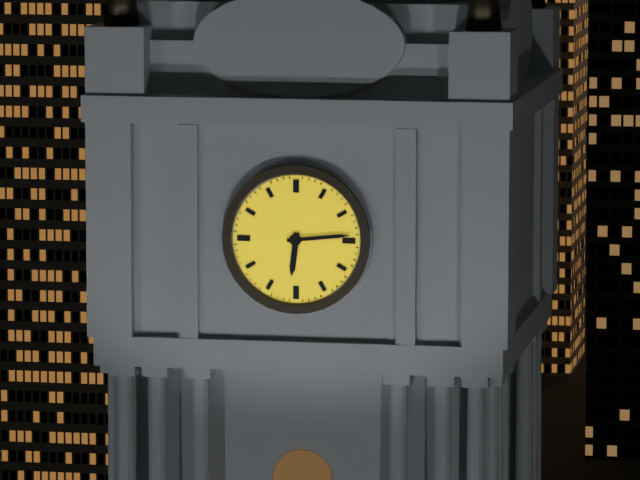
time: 6:14
